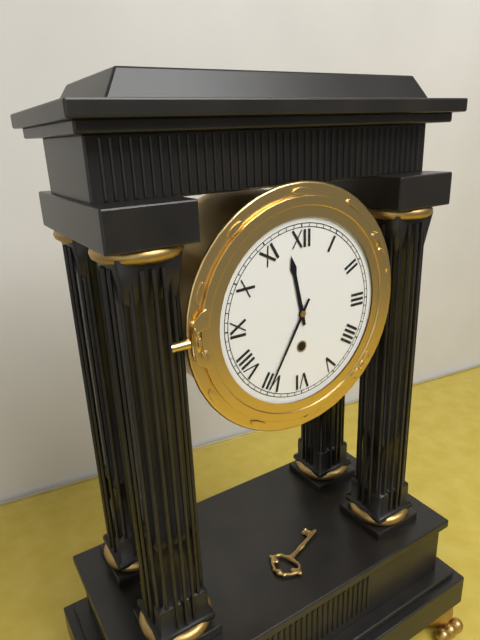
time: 11:35
